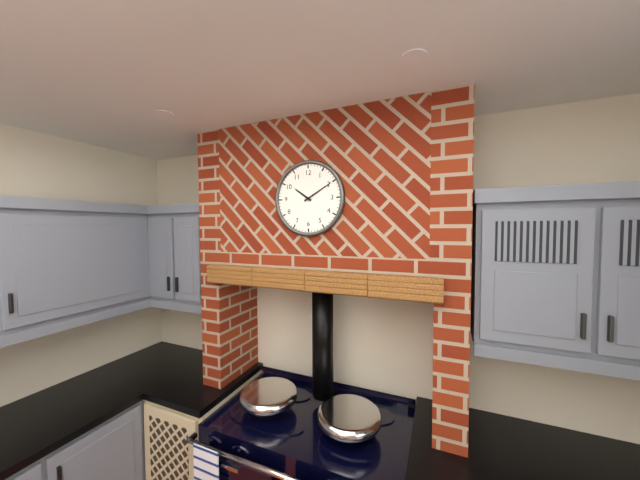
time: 10:10
